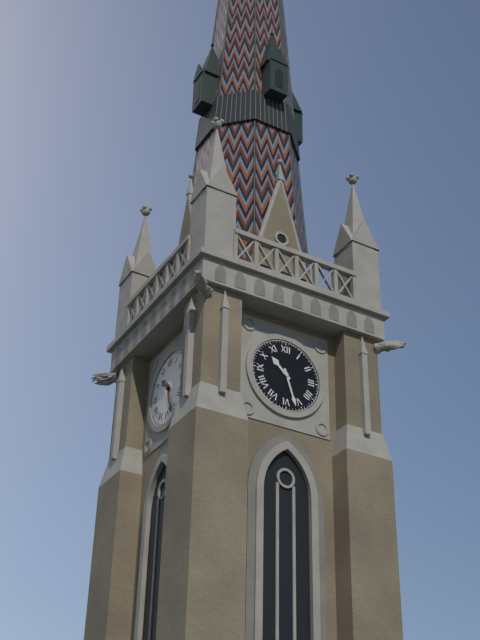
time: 10:27
